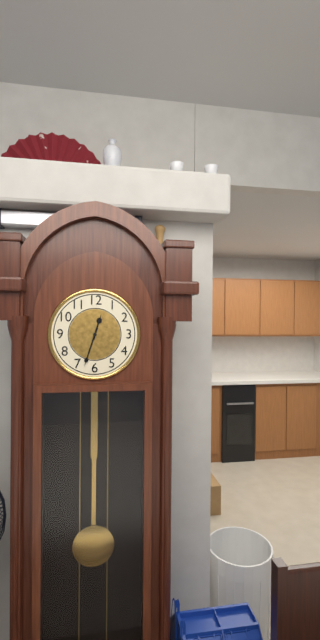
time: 12:33
